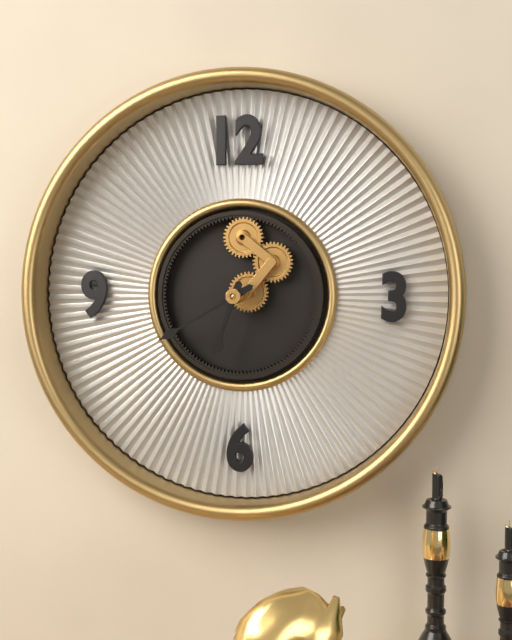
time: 6:40
